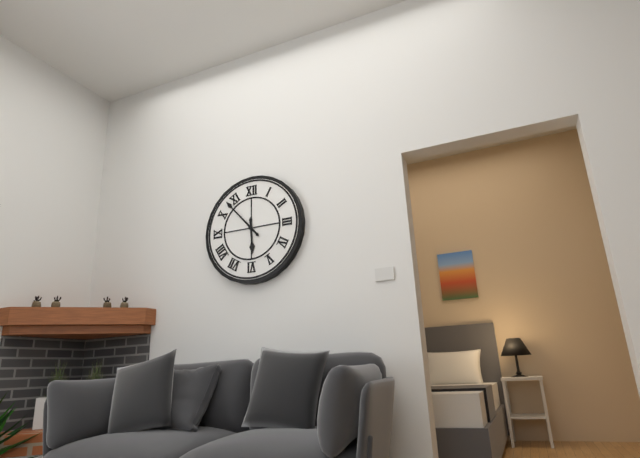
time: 5:53
